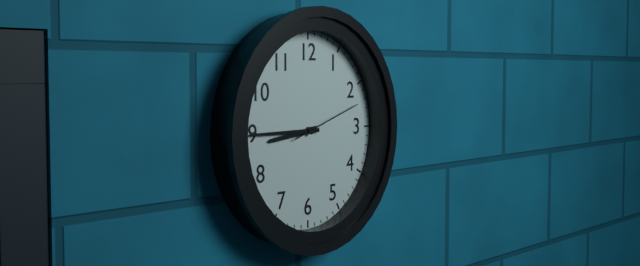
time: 8:45:12
